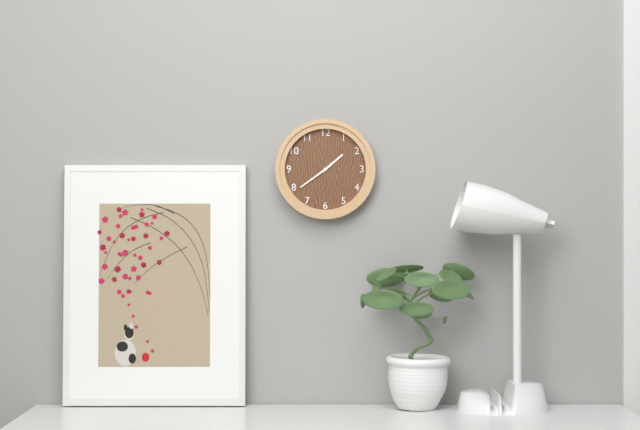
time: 1:39
